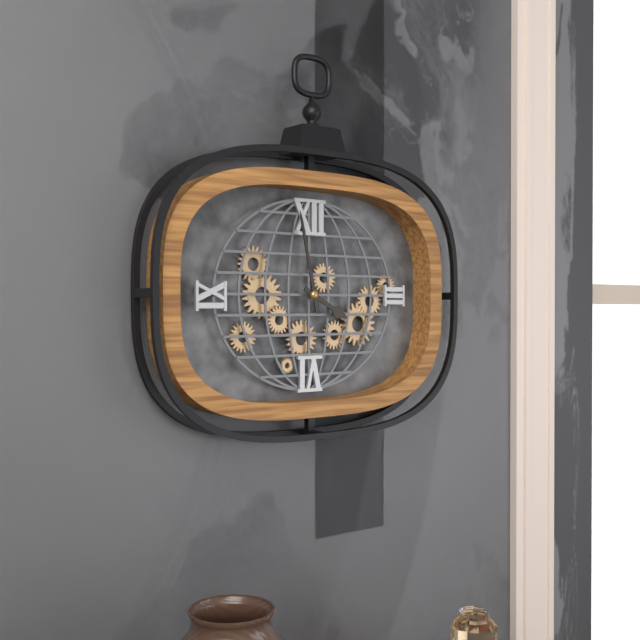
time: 3:58
